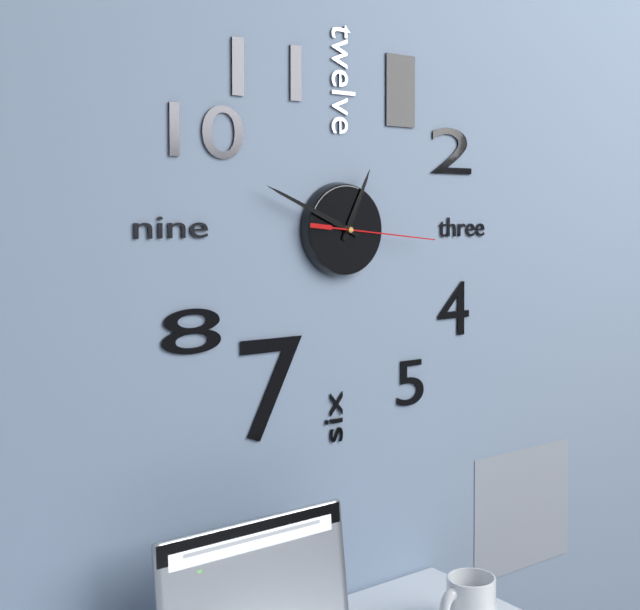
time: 12:49:16
